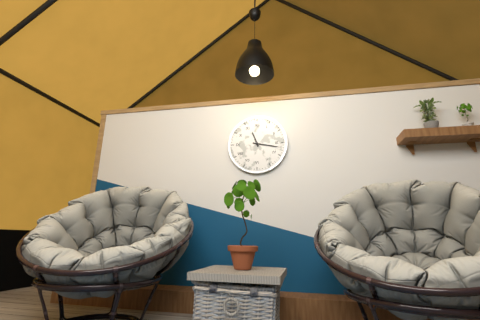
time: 11:17
